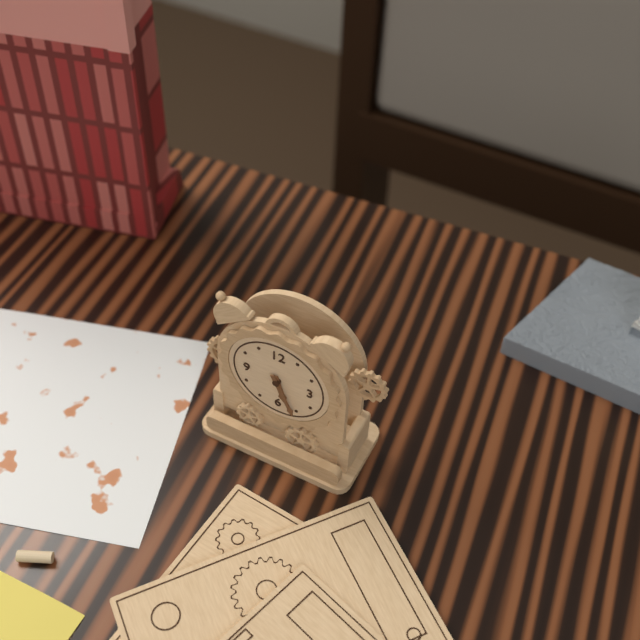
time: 5:26
